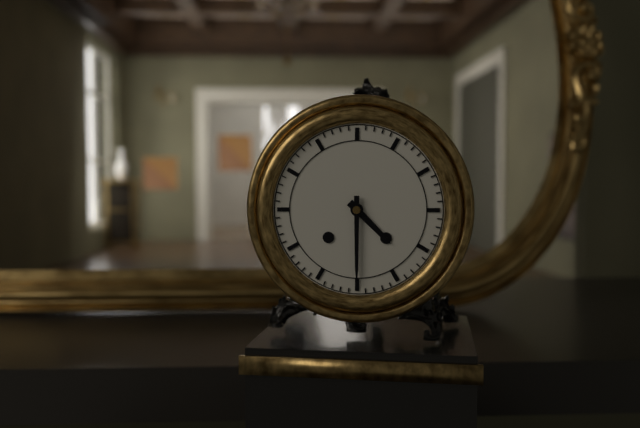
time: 4:30
